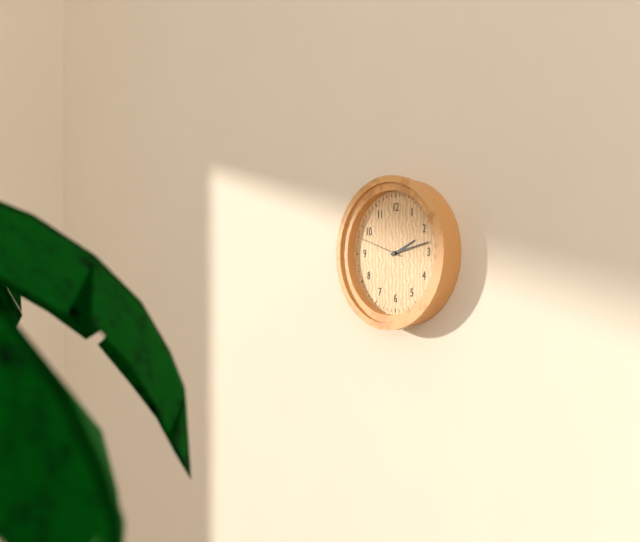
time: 2:13
